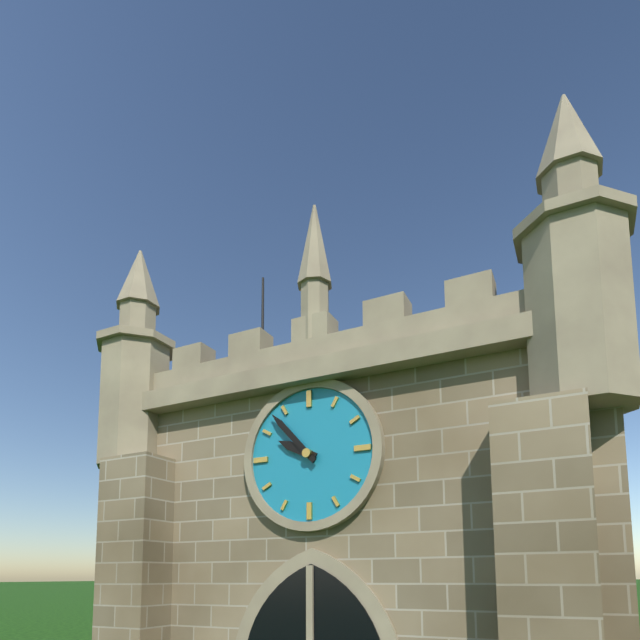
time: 9:53
